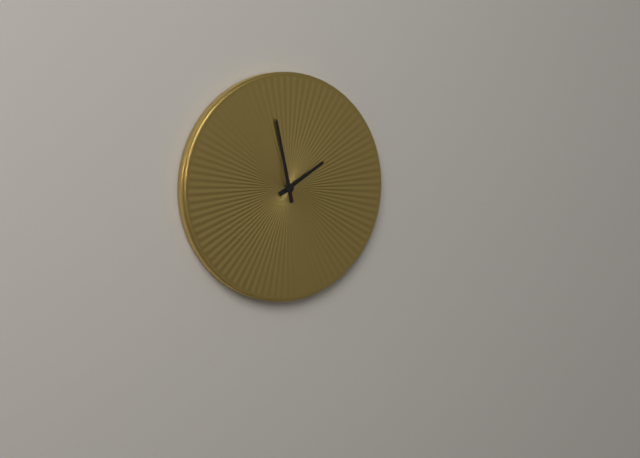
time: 1:58
